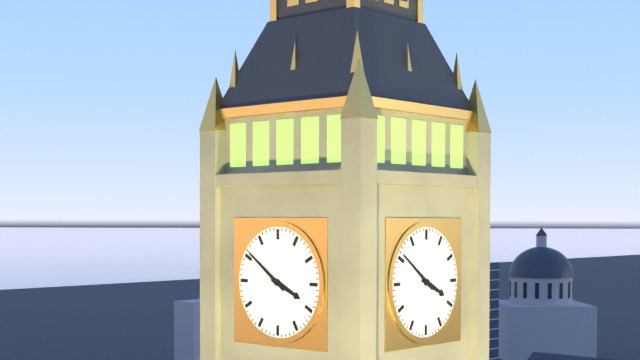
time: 3:51
